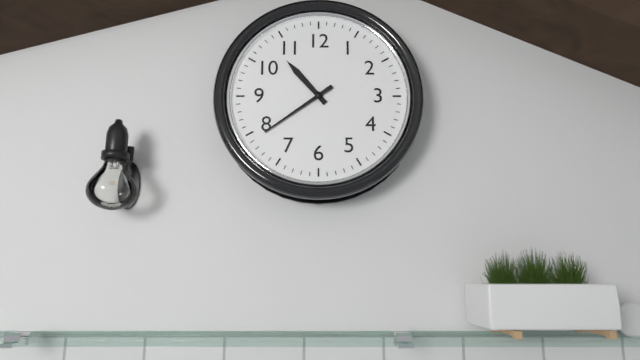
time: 10:39
